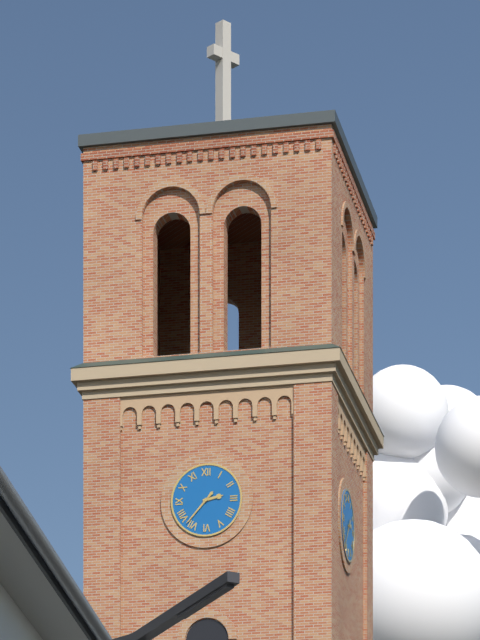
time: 2:37
